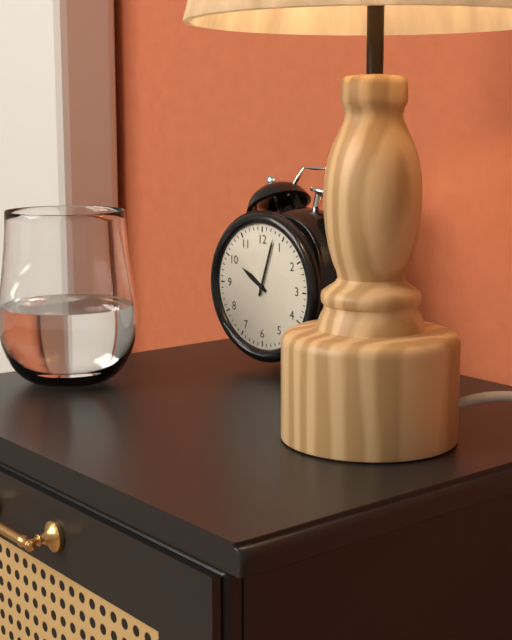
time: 10:03
